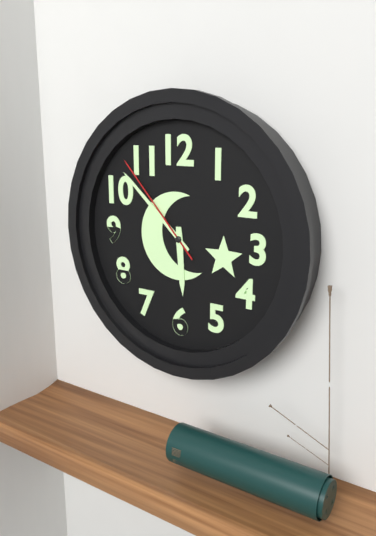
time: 5:52:53
